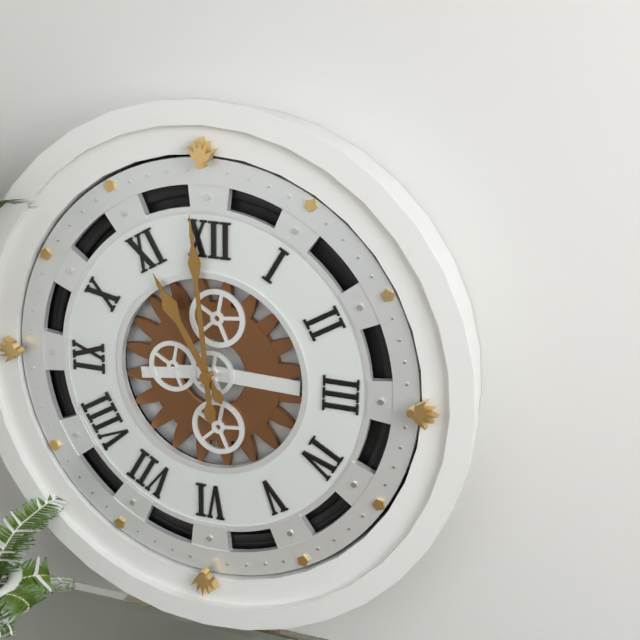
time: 10:59
